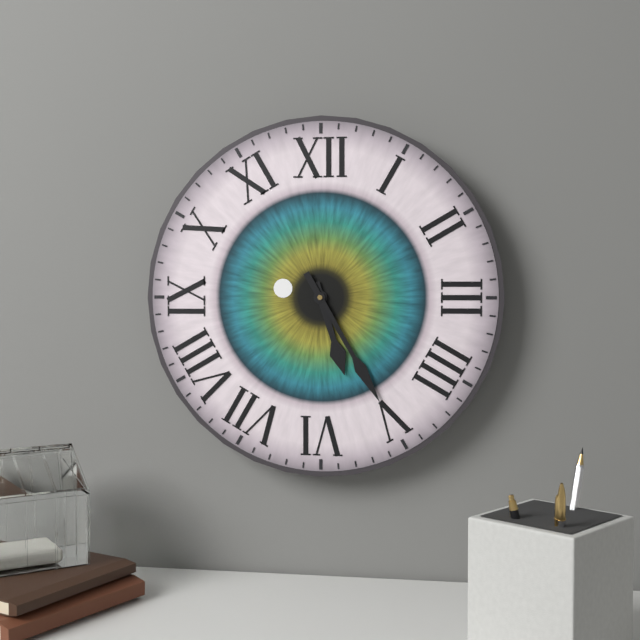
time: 5:25
